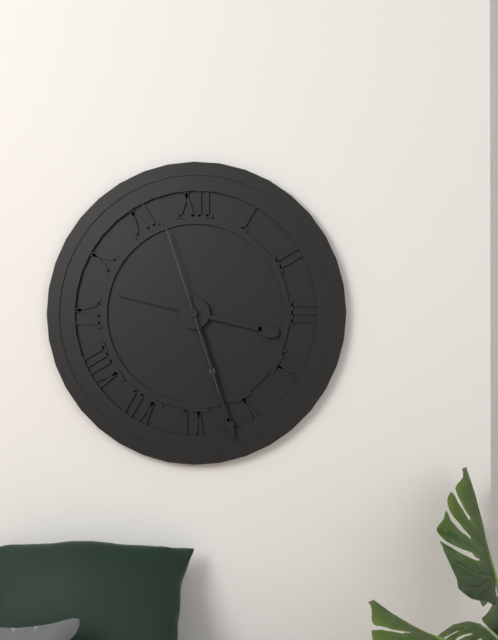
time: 3:27:57
